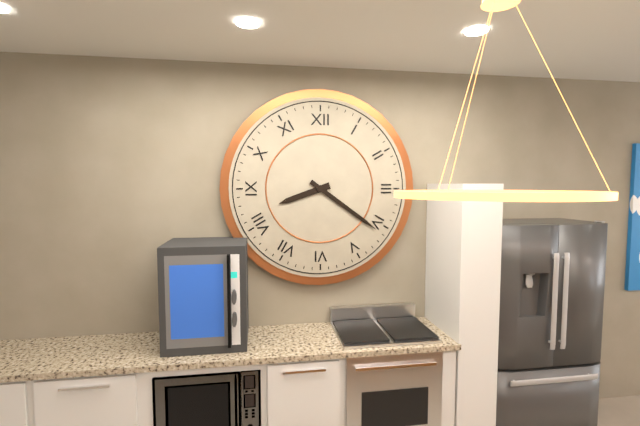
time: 8:21
